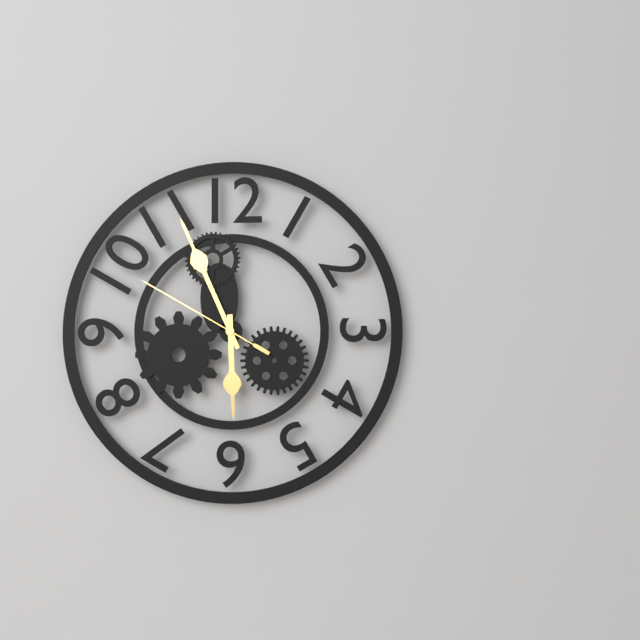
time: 5:56:50
